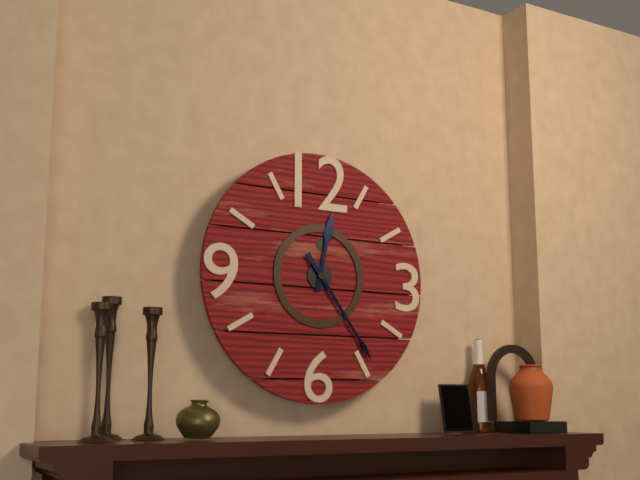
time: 12:24
